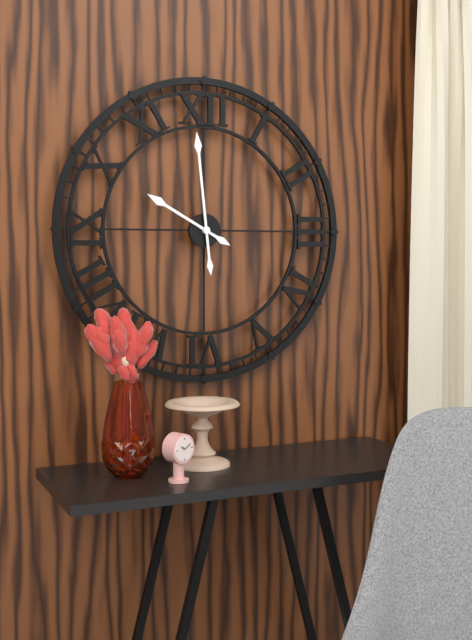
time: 9:59
